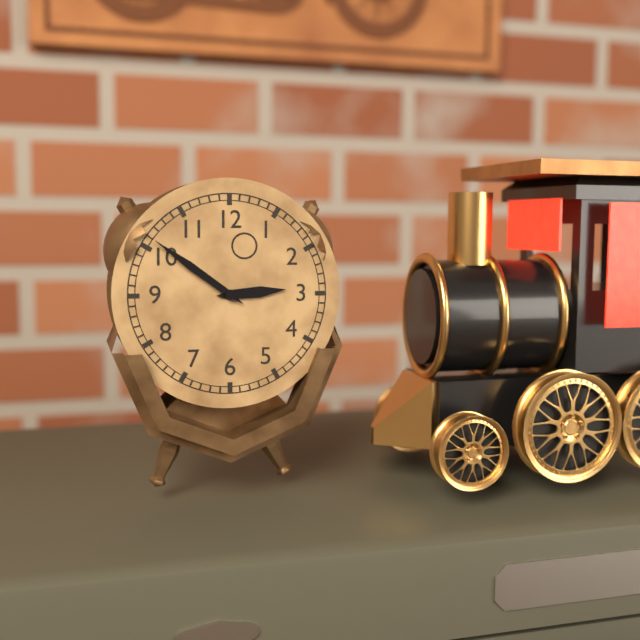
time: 2:51
